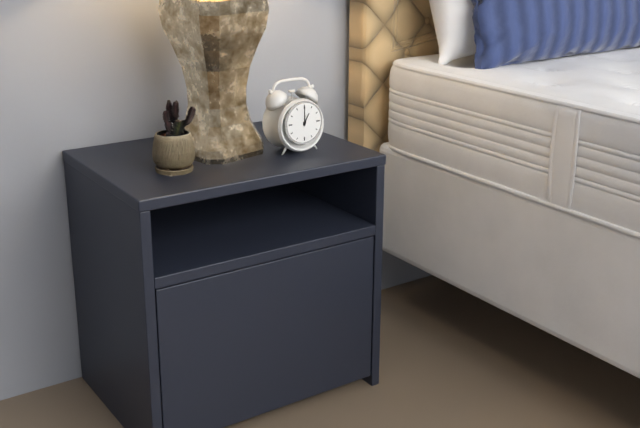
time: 1:00
